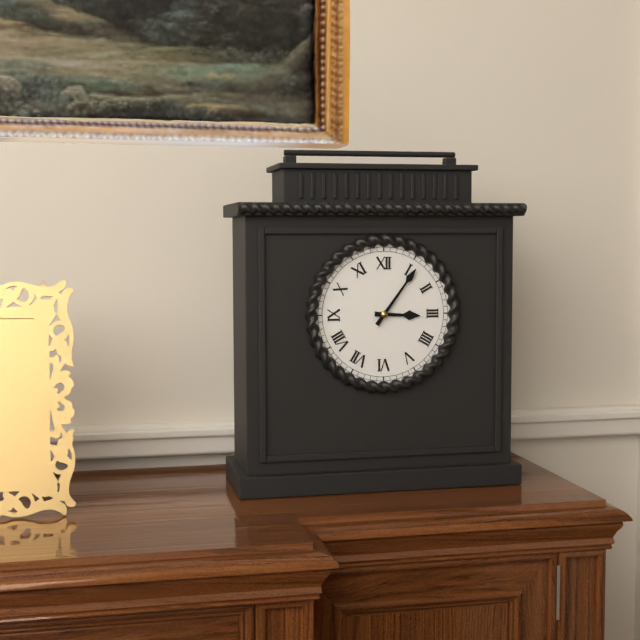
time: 3:06
